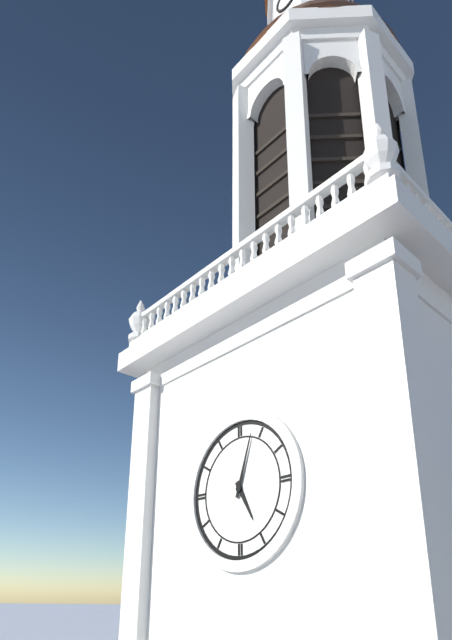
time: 5:03
